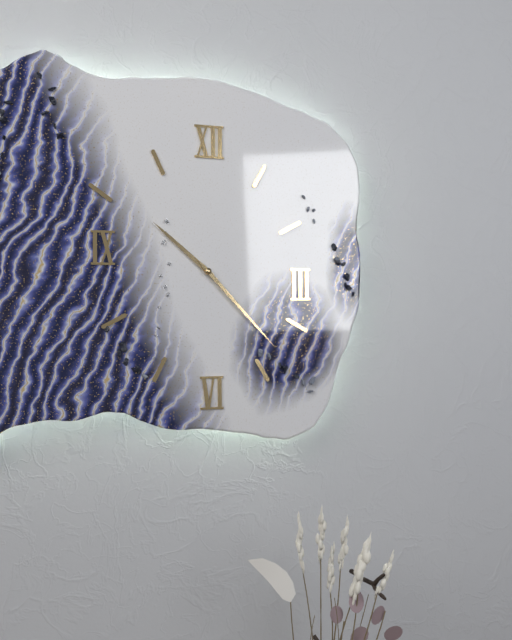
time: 10:23
